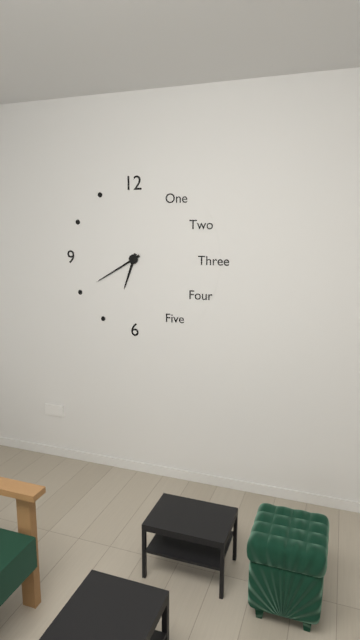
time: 6:40
